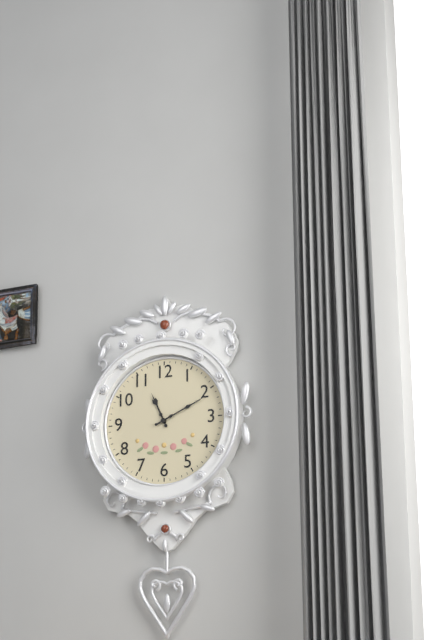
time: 11:11
